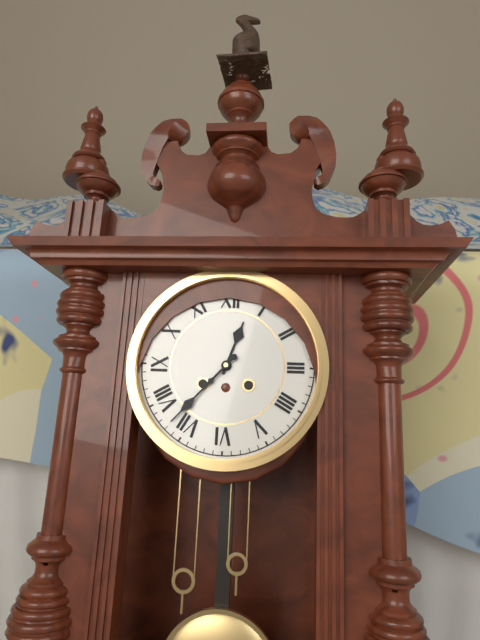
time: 12:37
